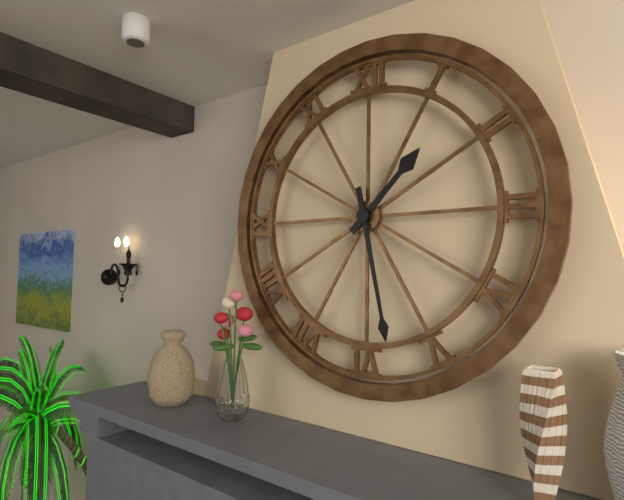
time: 1:28
